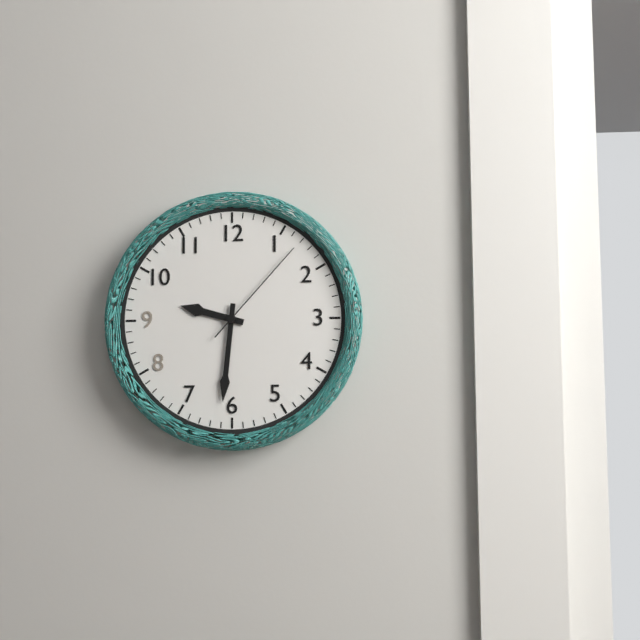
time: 9:31:07
